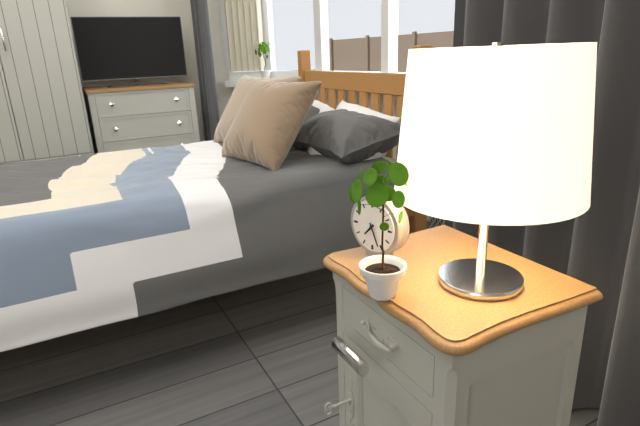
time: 7:26
